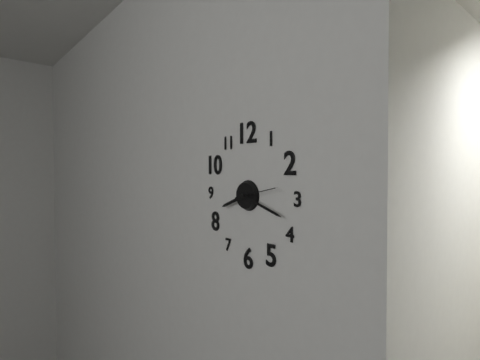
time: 8:18
